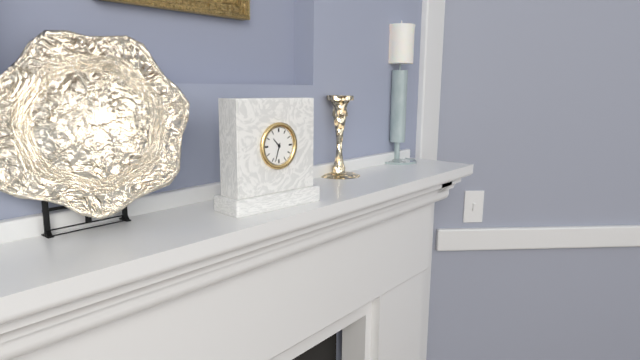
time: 10:33
